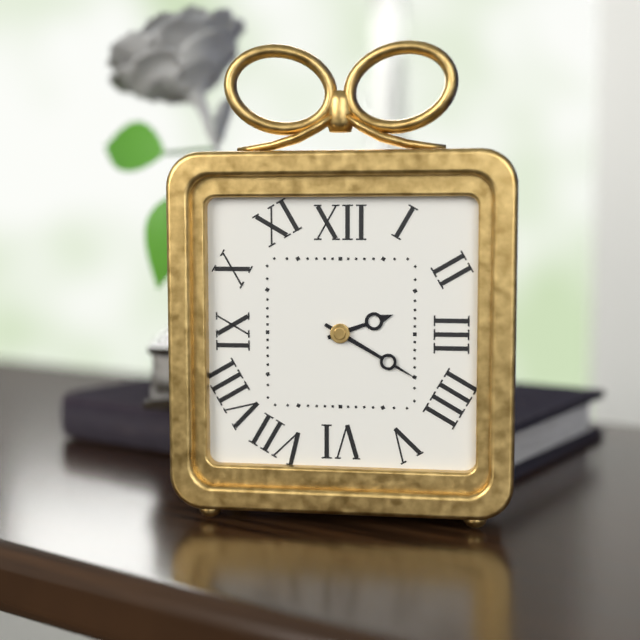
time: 2:20
